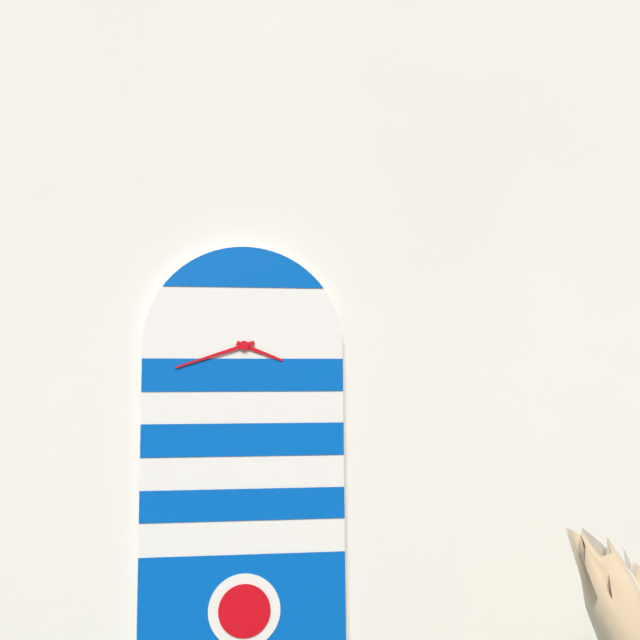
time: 3:42
